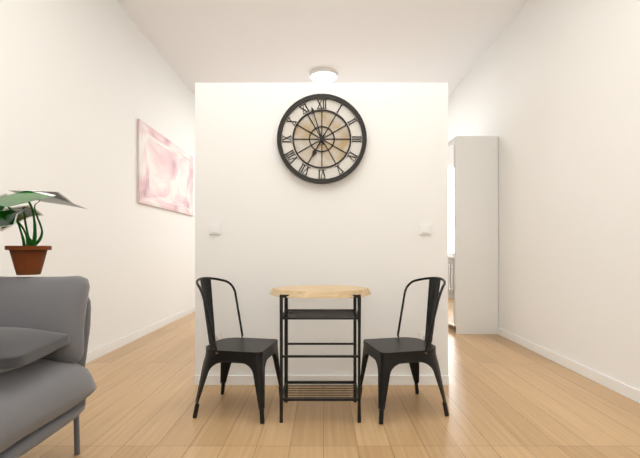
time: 6:57
